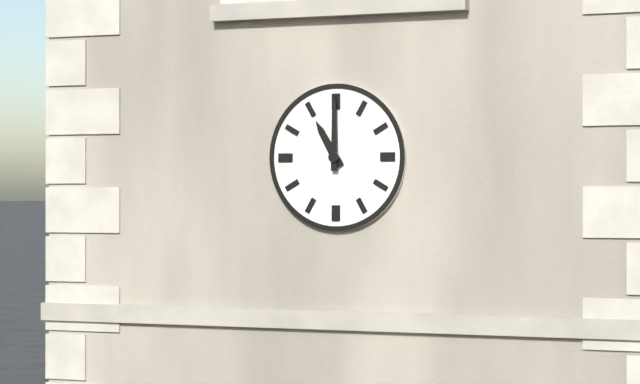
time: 11:00
